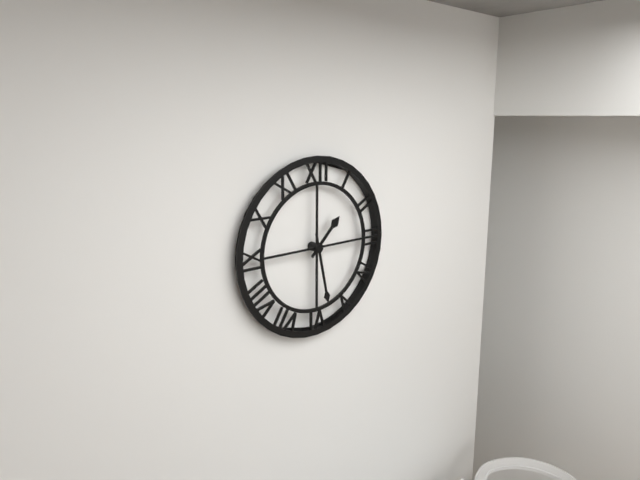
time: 1:28
